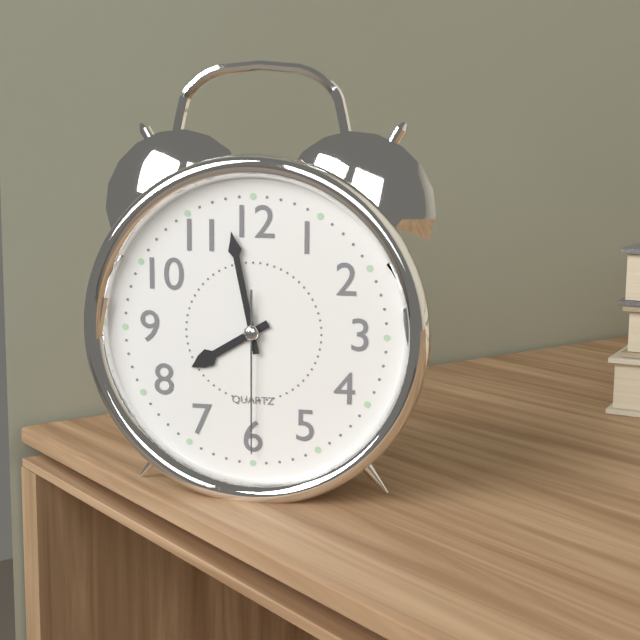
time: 7:58:30
